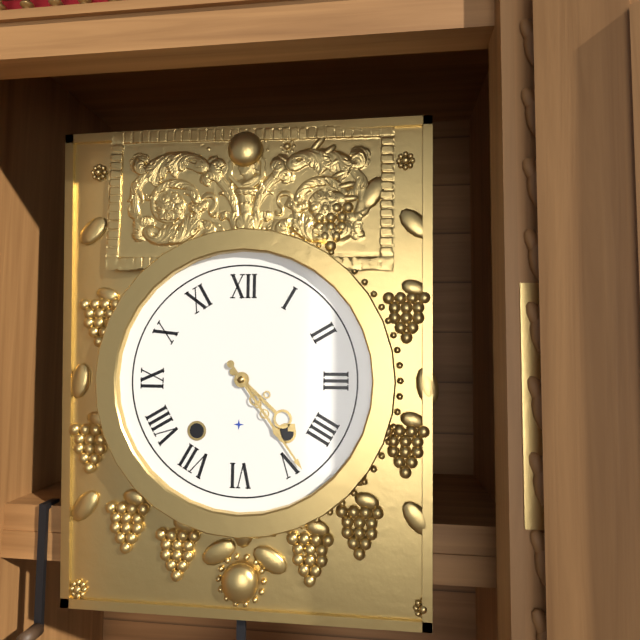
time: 4:24
